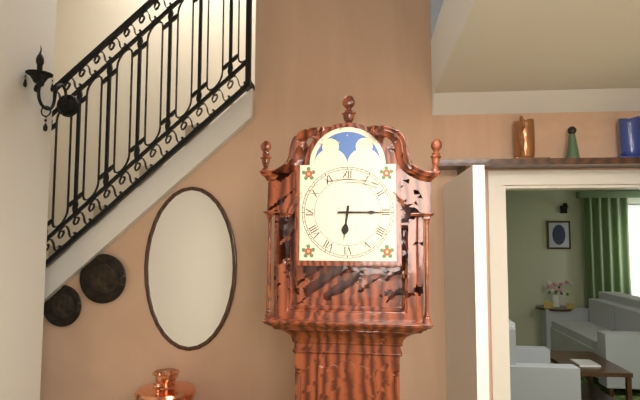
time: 6:15
